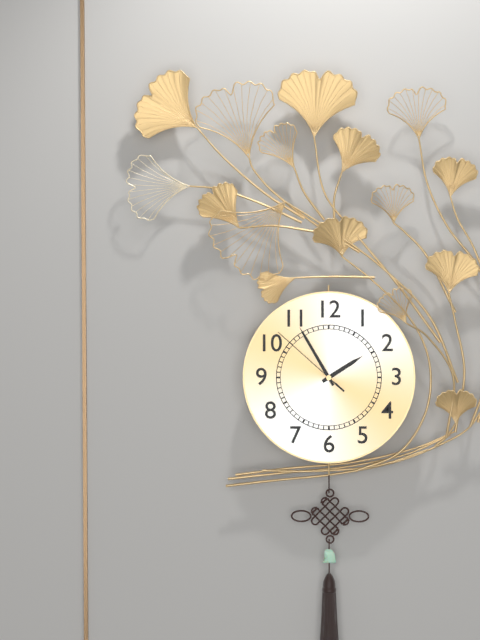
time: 1:55:52
